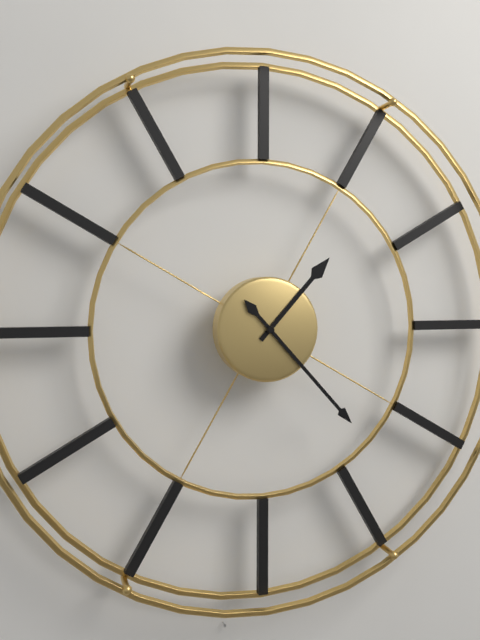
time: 1:23
